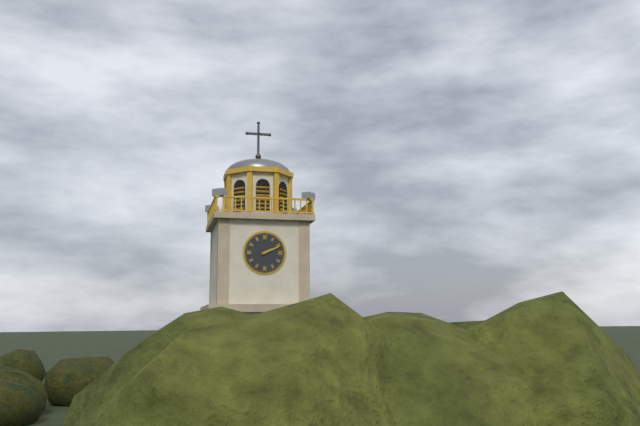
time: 2:11
